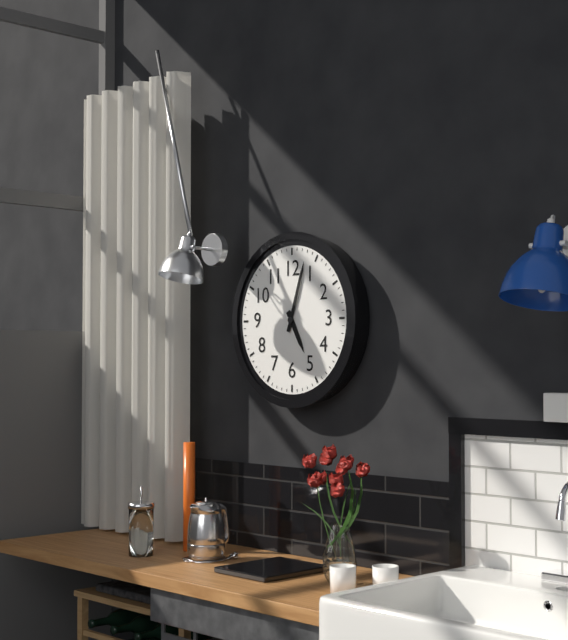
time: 5:03
